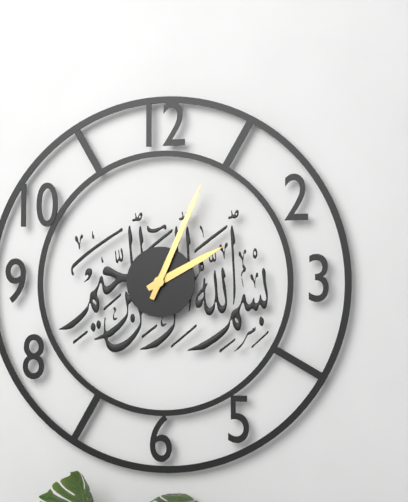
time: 2:04
